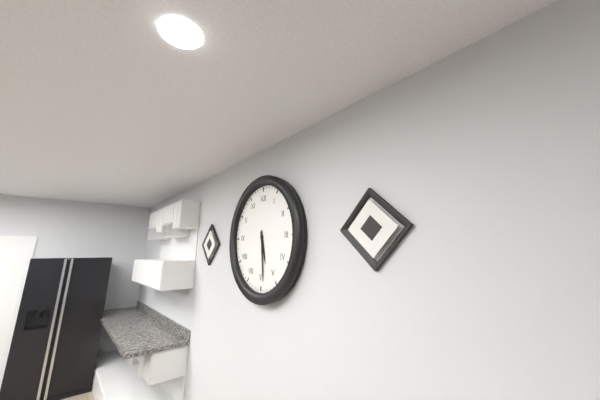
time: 5:29
